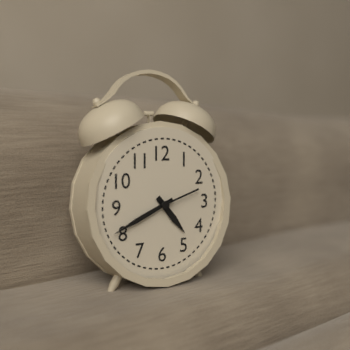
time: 4:41
